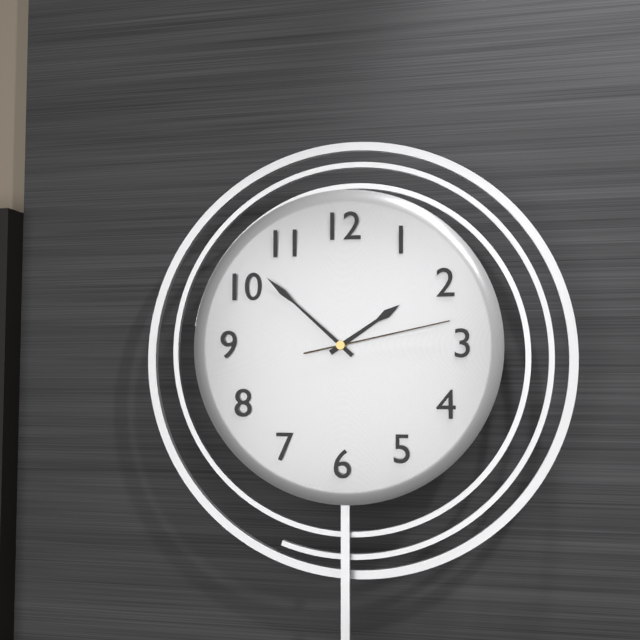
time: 1:52:13
